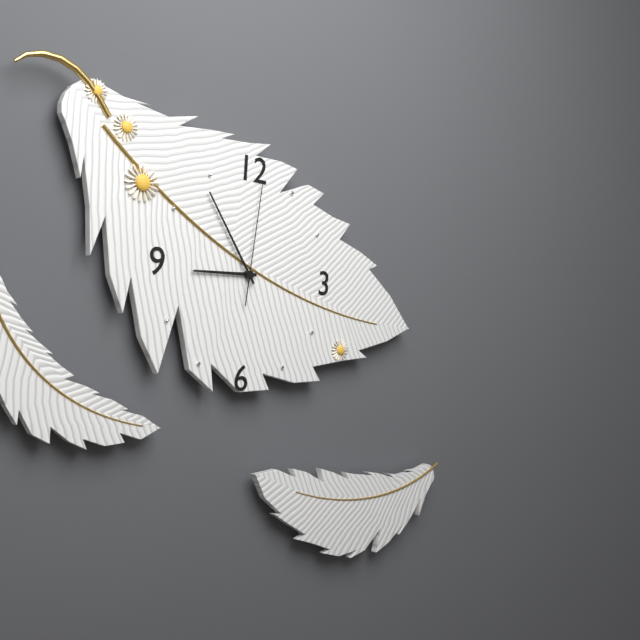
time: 8:54:01
